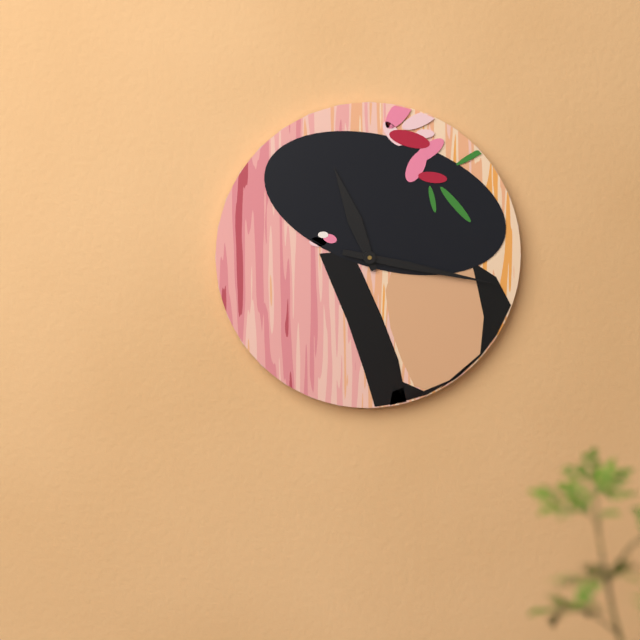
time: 11:17
